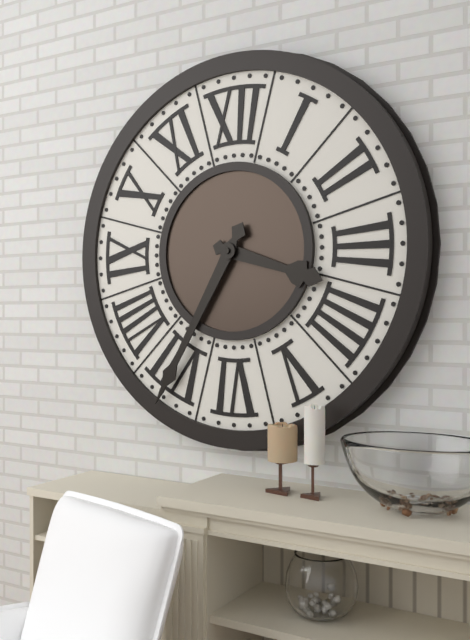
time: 3:35
